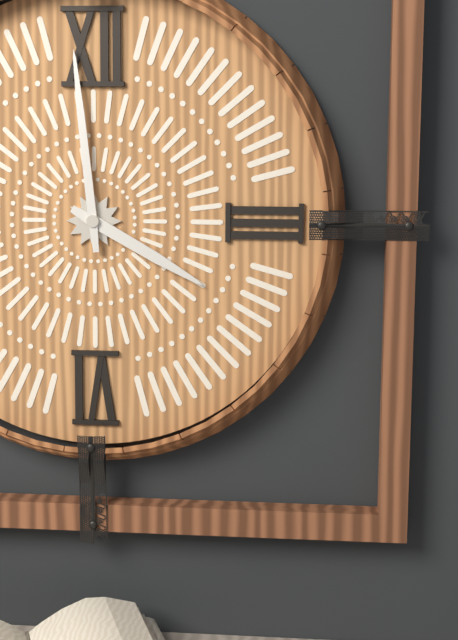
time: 3:59
